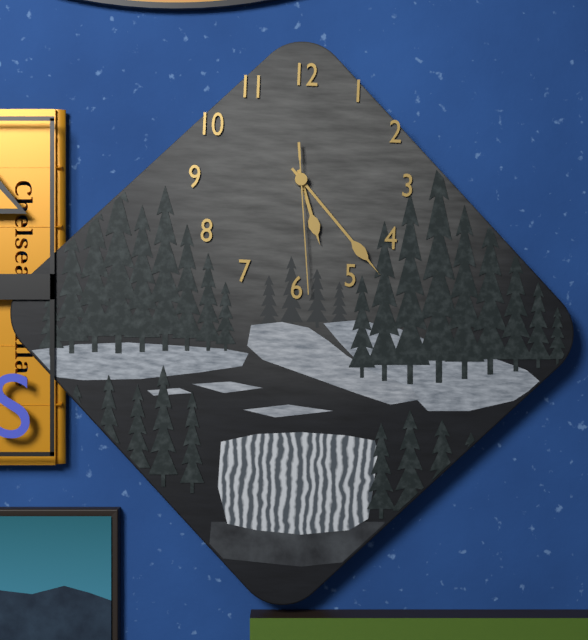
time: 5:23:29
